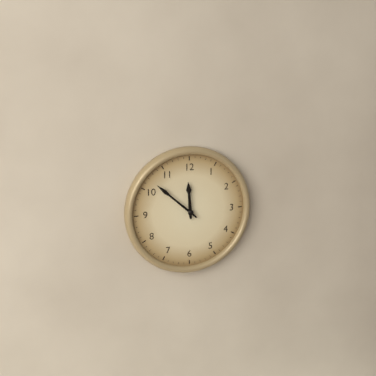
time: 11:52
